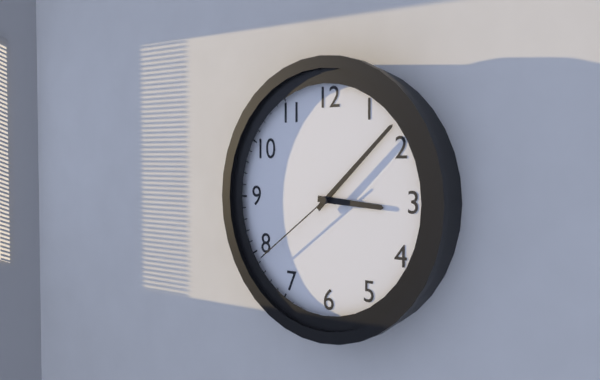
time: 3:08:39
